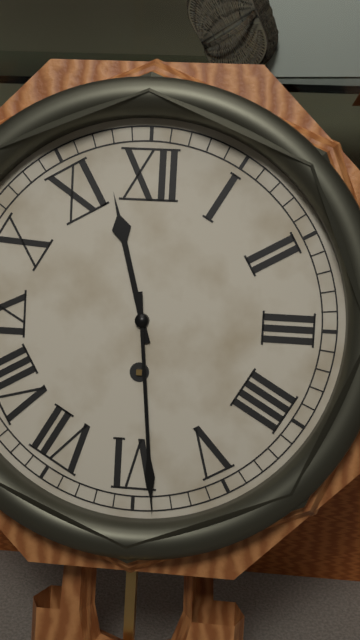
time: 11:29
